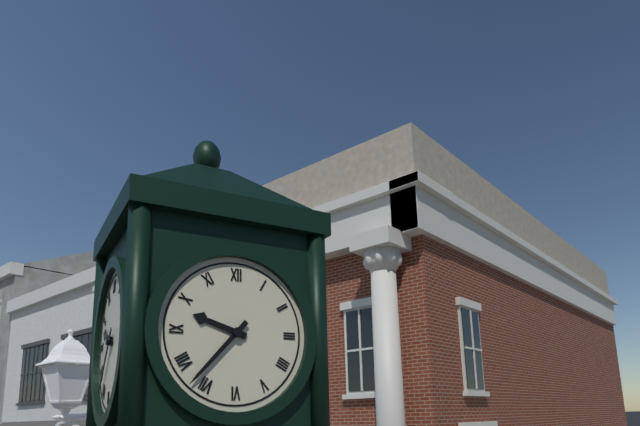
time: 9:37
